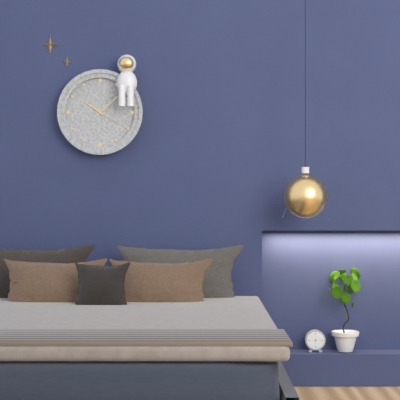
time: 10:08
